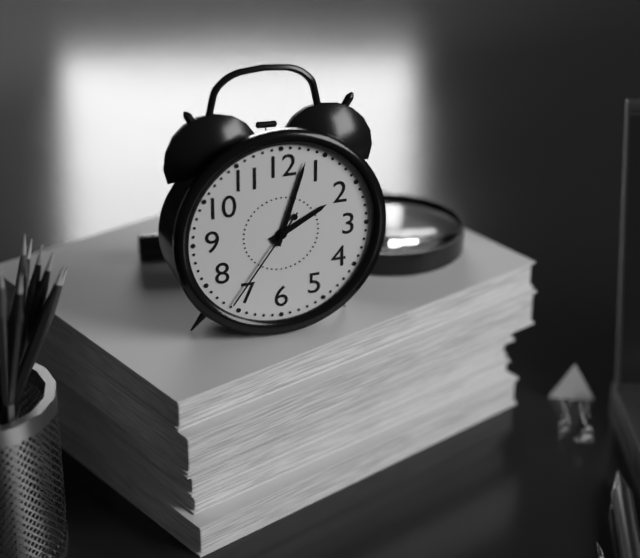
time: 2:03:36
